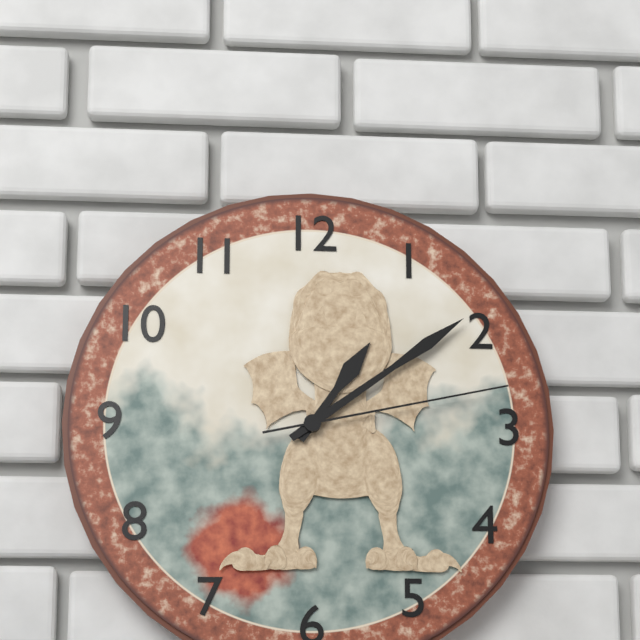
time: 1:09:13
